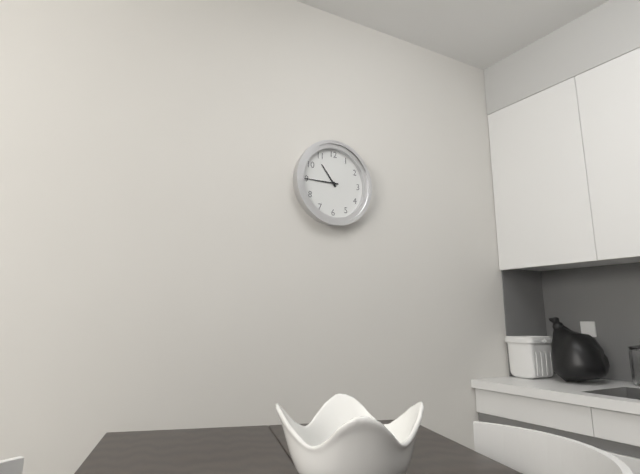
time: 10:45
